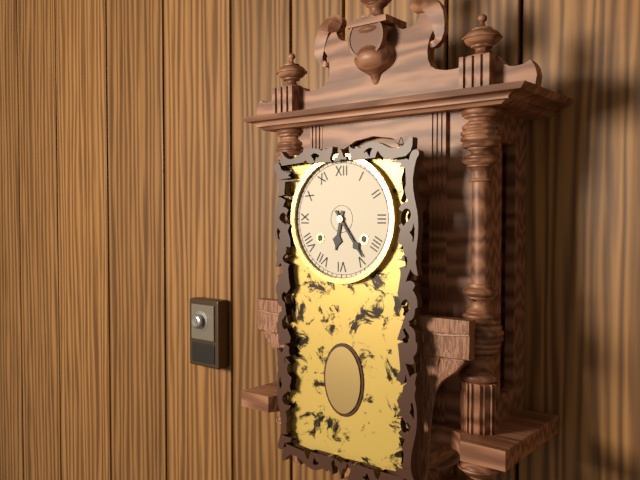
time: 6:24
